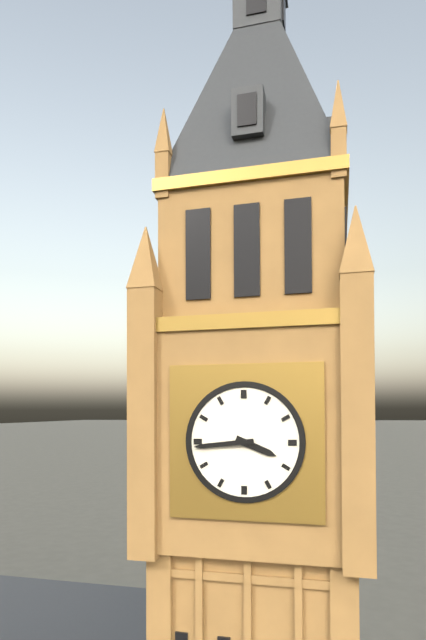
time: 3:44
